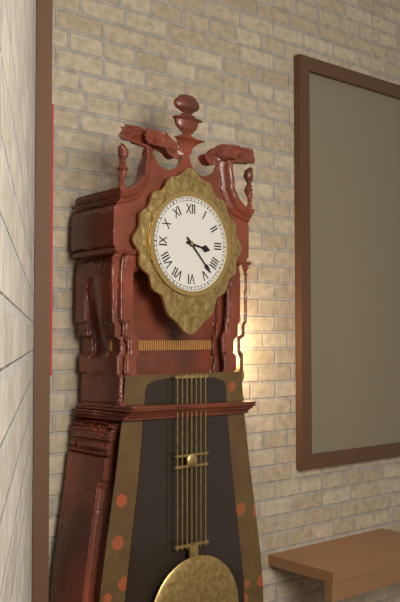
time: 3:23
